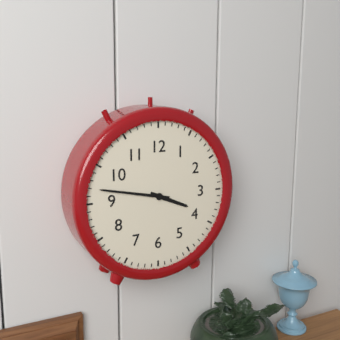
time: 3:47
